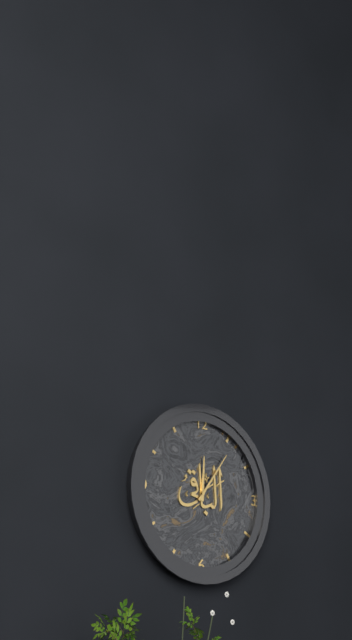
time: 12:06
